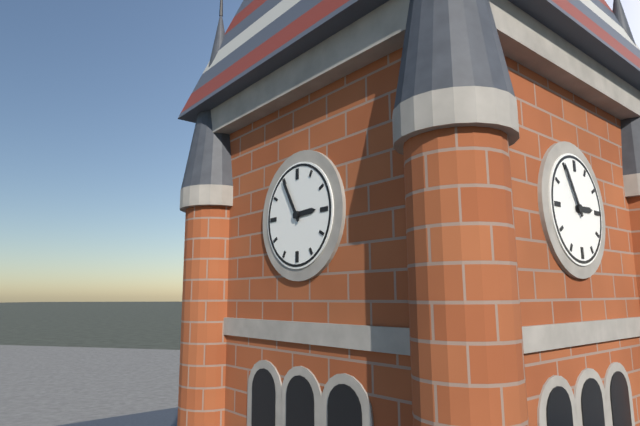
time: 2:55
